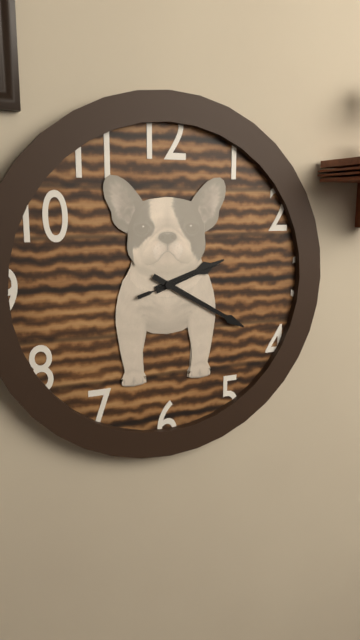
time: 2:20:12
